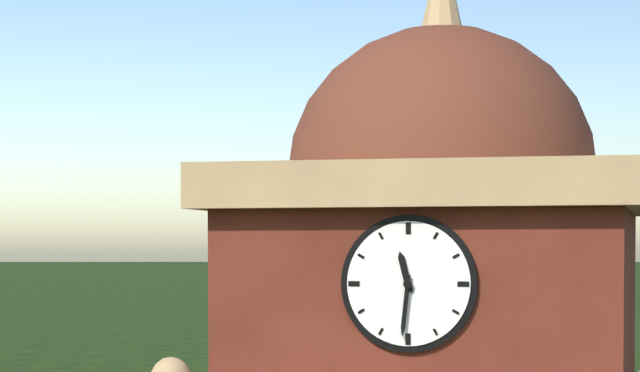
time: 11:31
